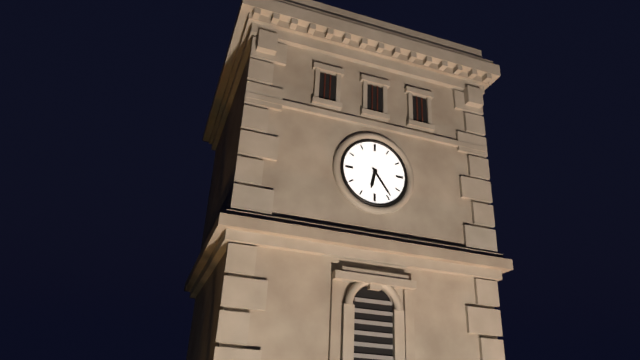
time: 6:24
